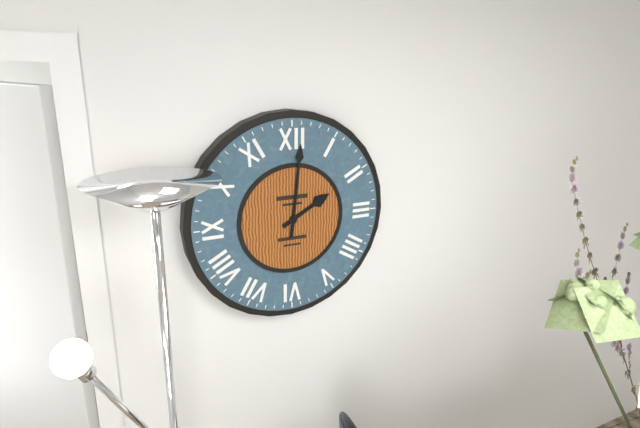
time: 2:01
